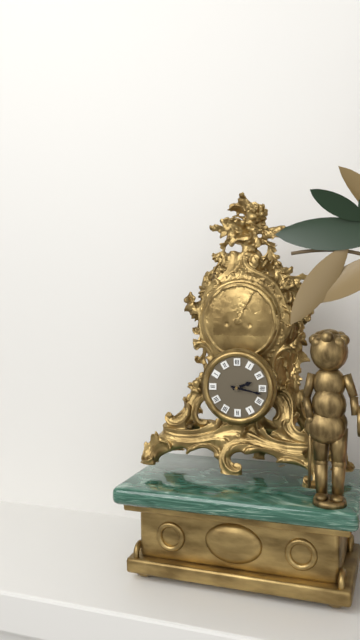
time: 2:17
